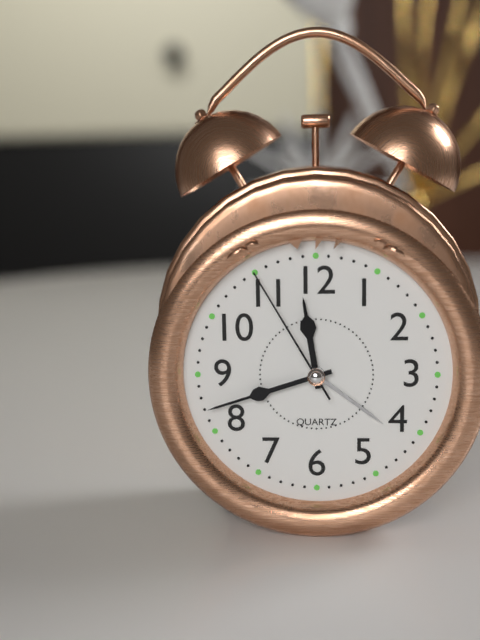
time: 11:42:55
